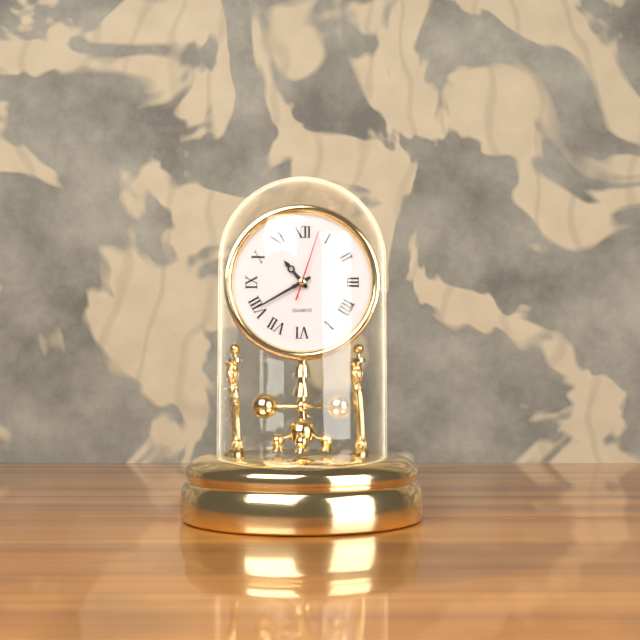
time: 10:40:03
